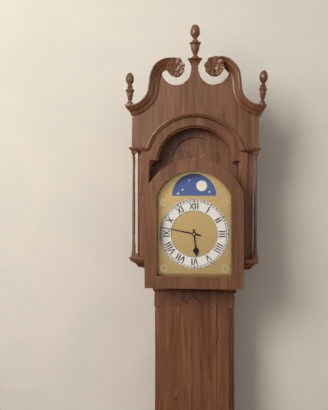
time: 5:47
